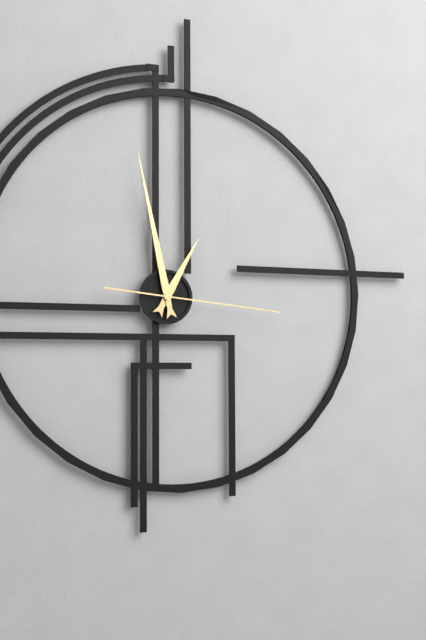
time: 12:58:16
